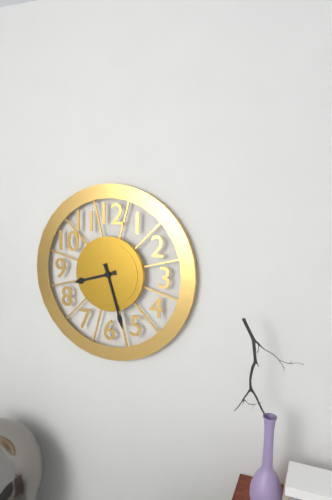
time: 8:27
